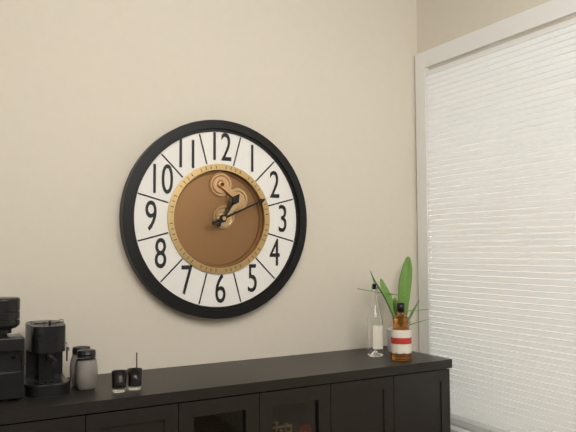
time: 1:11
